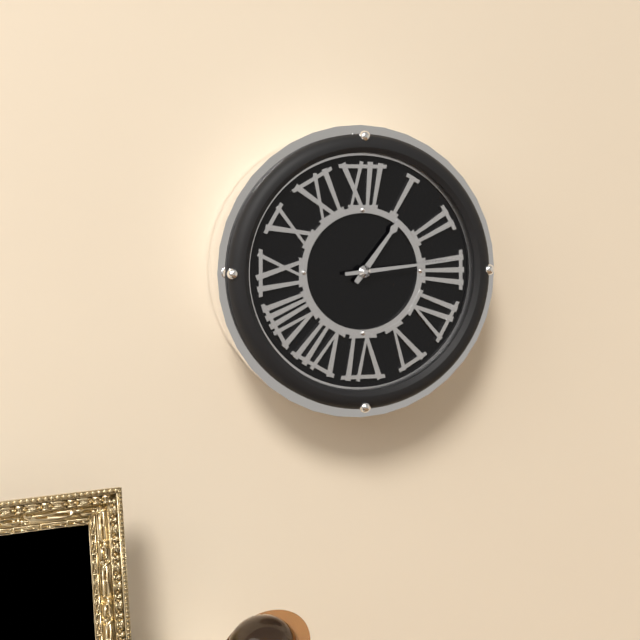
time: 1:14
